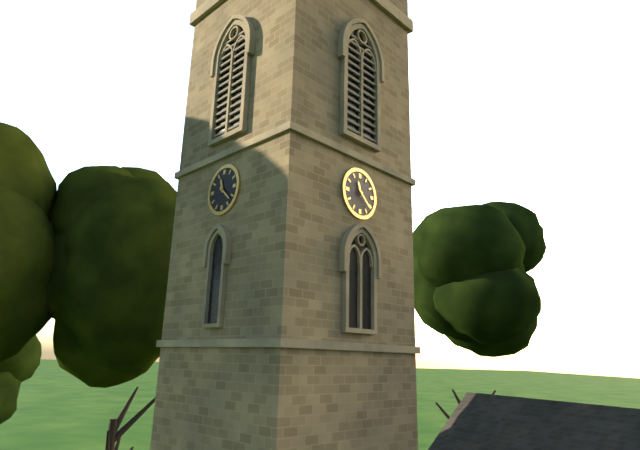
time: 11:22
